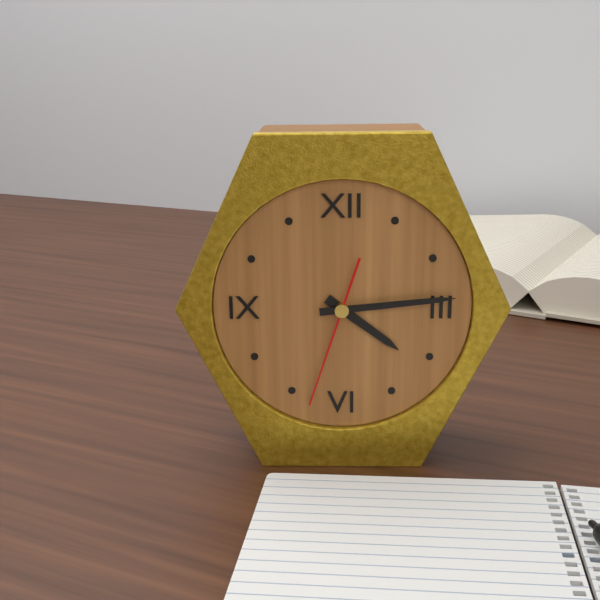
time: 4:14:33
